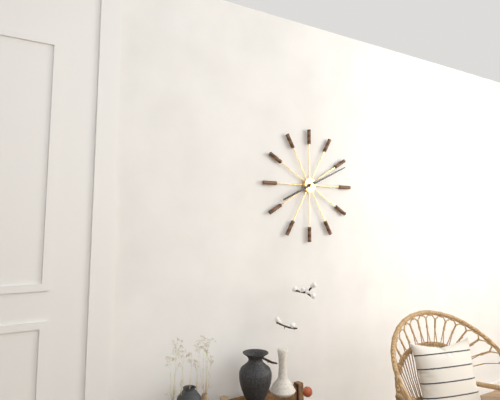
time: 8:11
